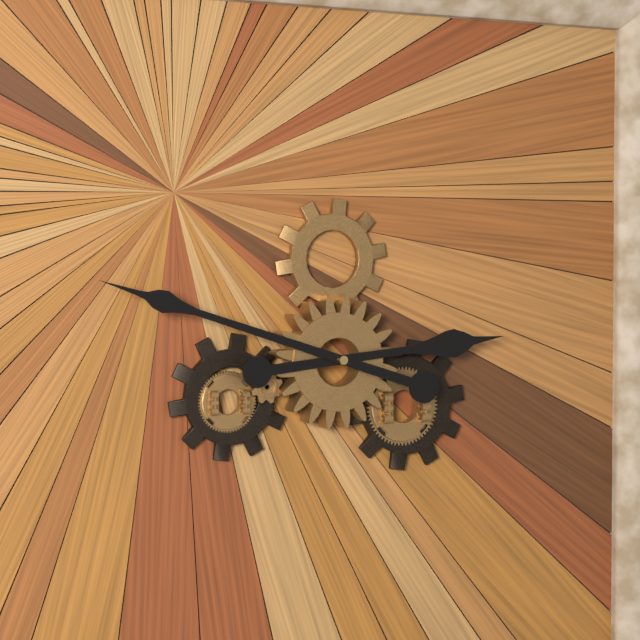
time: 2:48
